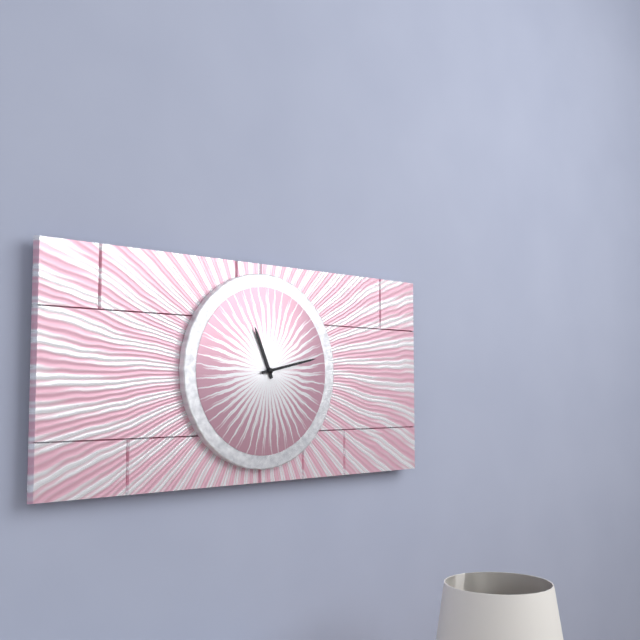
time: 11:13
